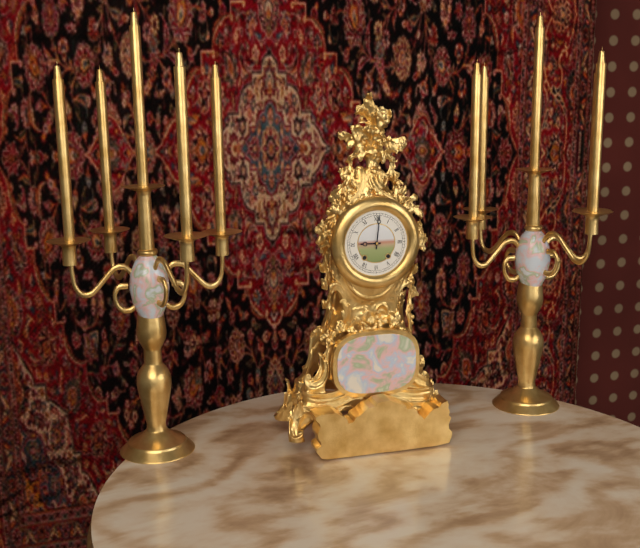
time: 9:01
